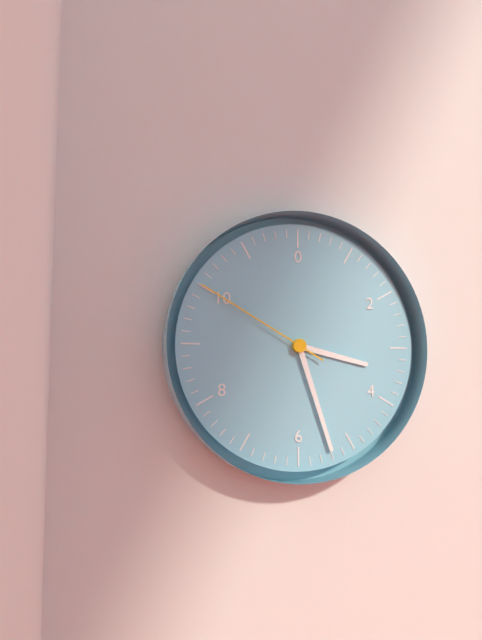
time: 3:27:50
